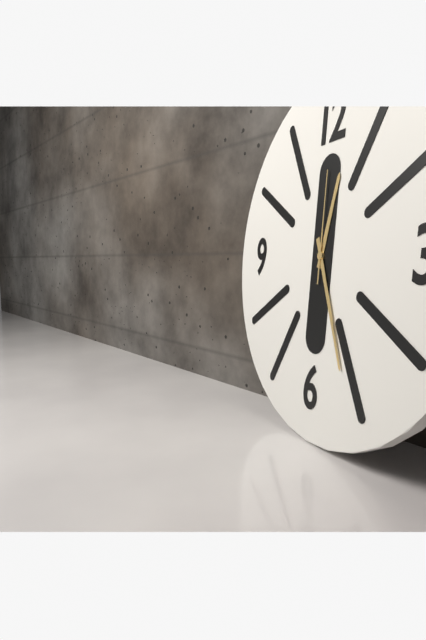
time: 12:26:00
